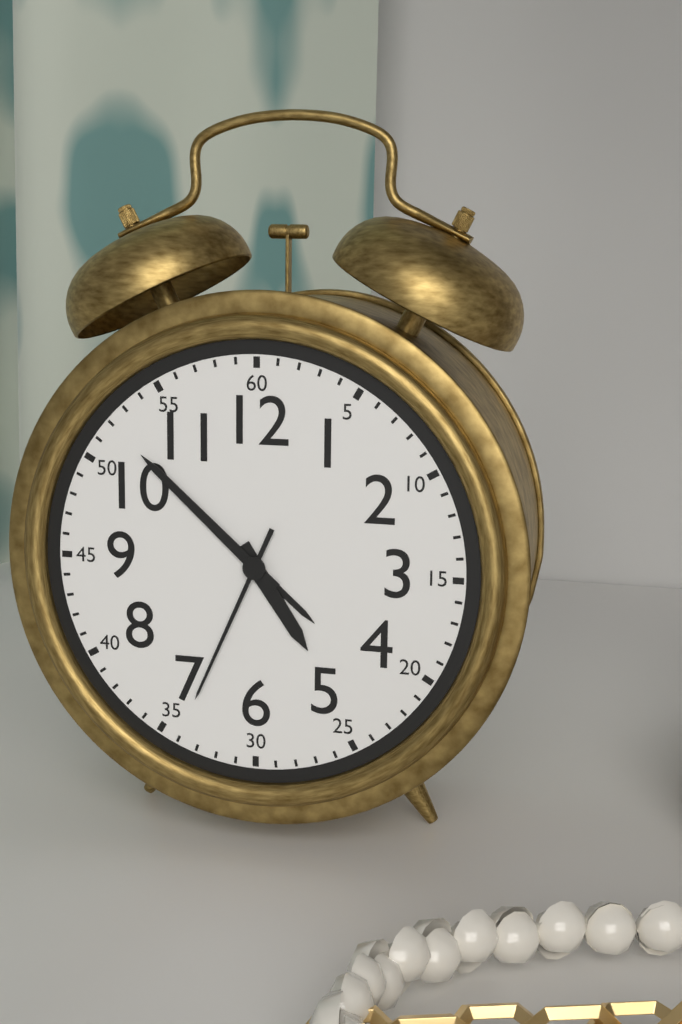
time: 4:52:34
